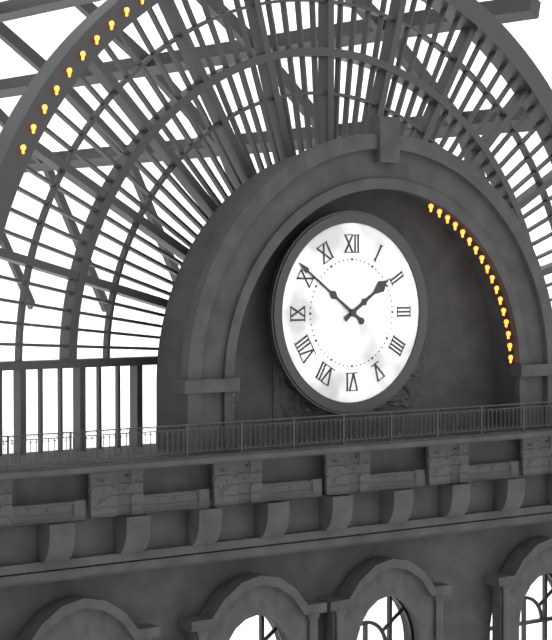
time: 1:51
